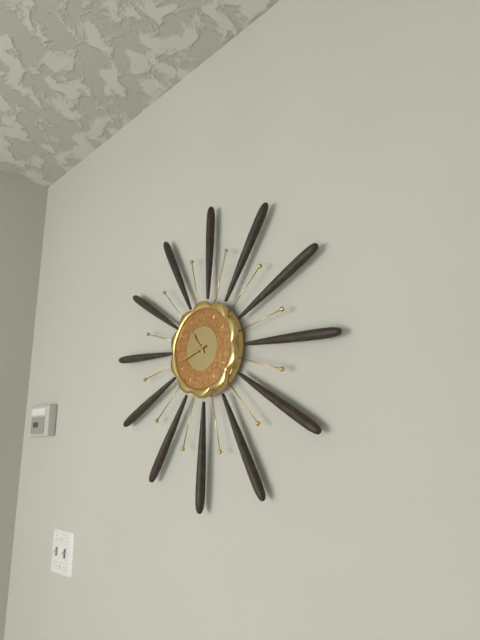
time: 10:42
